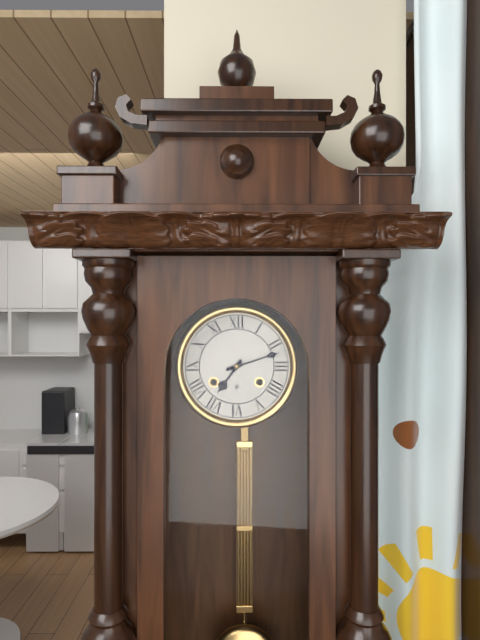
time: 7:12
